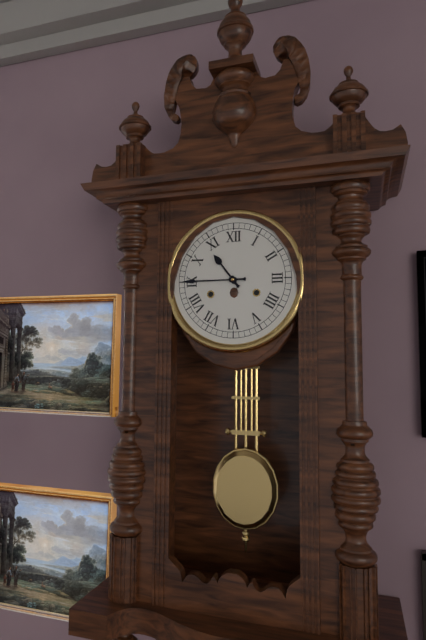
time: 10:45
